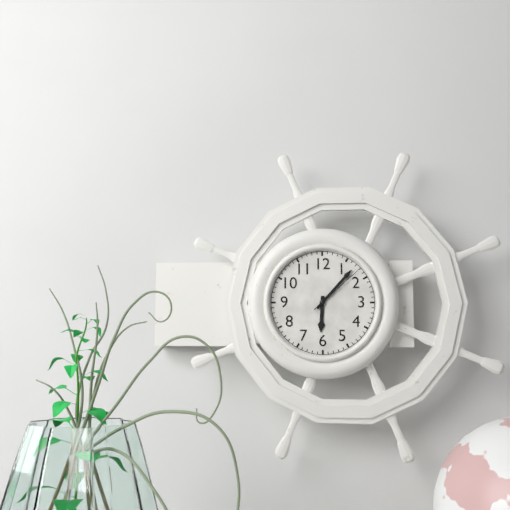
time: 6:07:08
